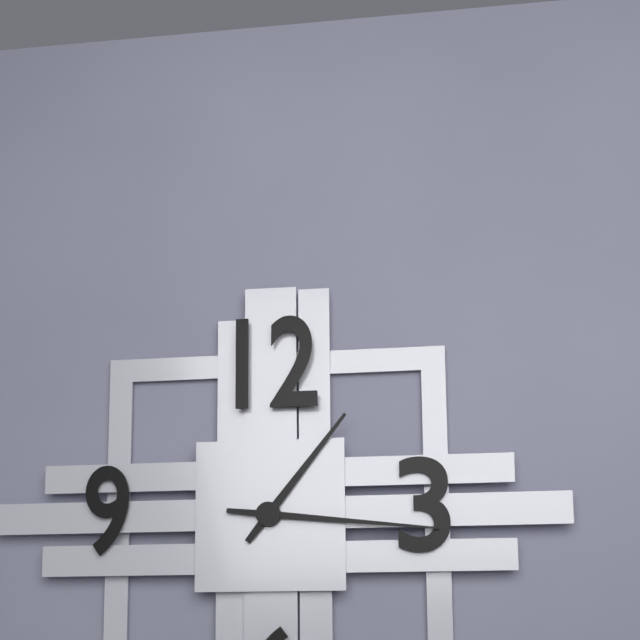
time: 1:16
